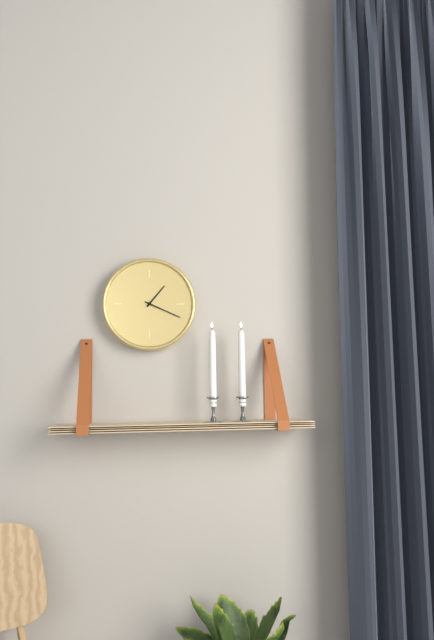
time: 1:19
